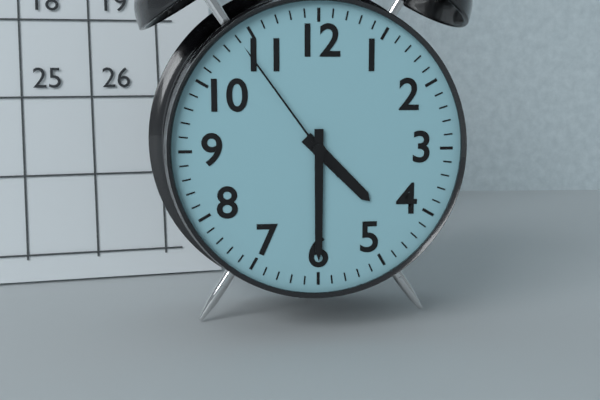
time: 4:30:54
